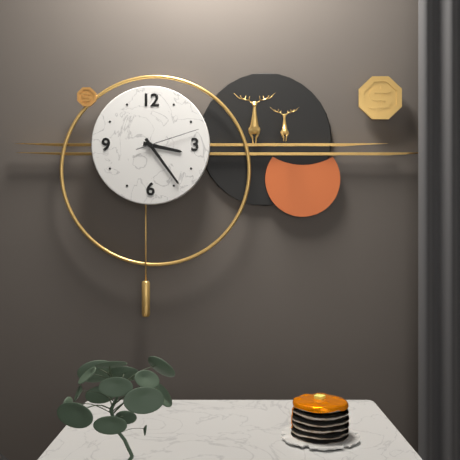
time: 3:24:12
